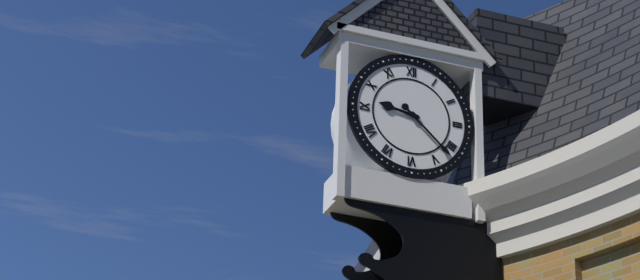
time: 9:22
